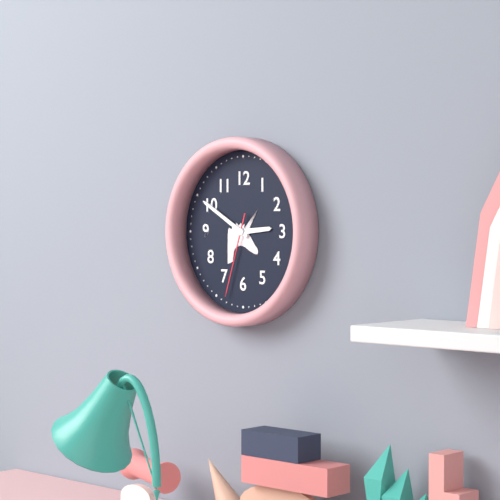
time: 2:50:33
